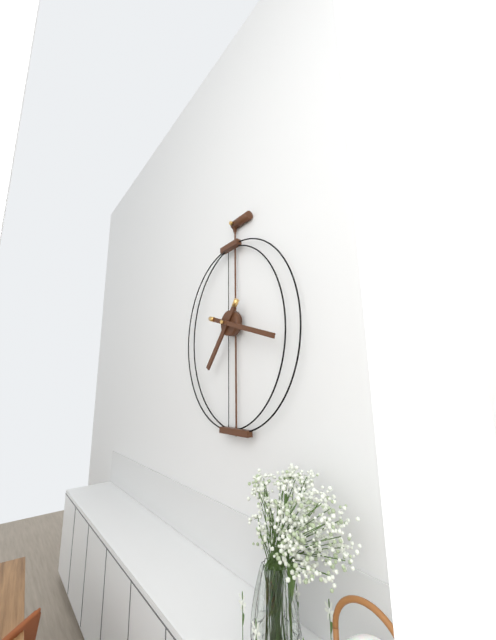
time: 7:18
